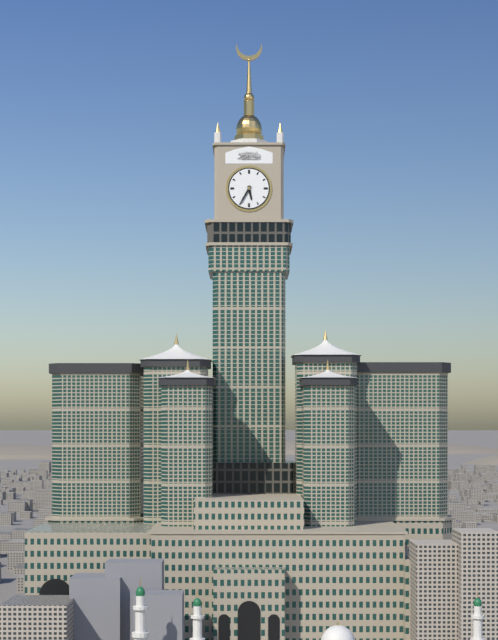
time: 5:35
